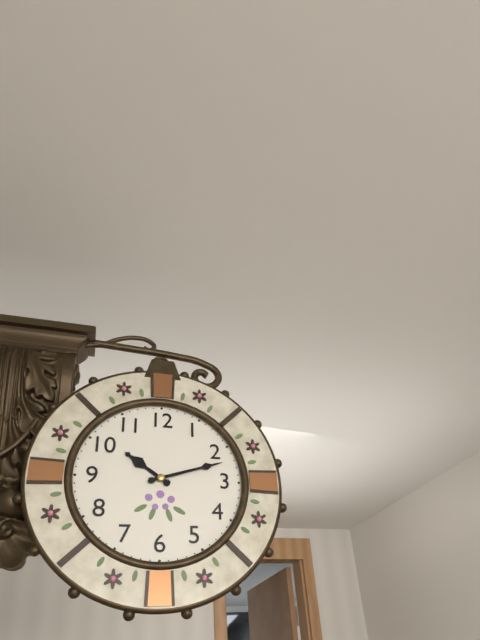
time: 10:12
